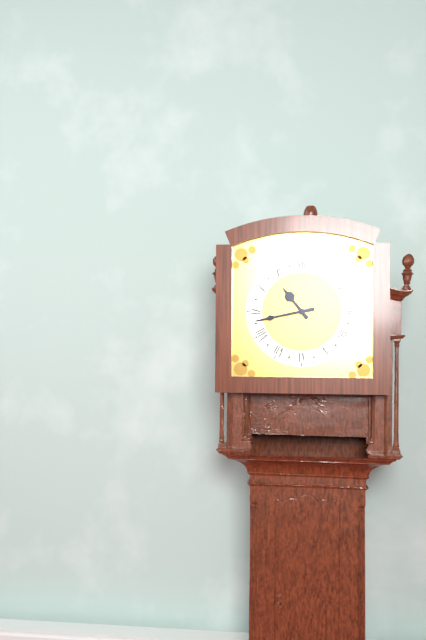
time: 10:43
